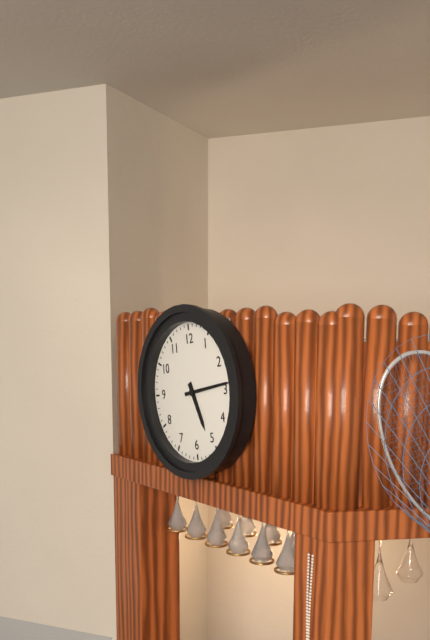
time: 5:14
